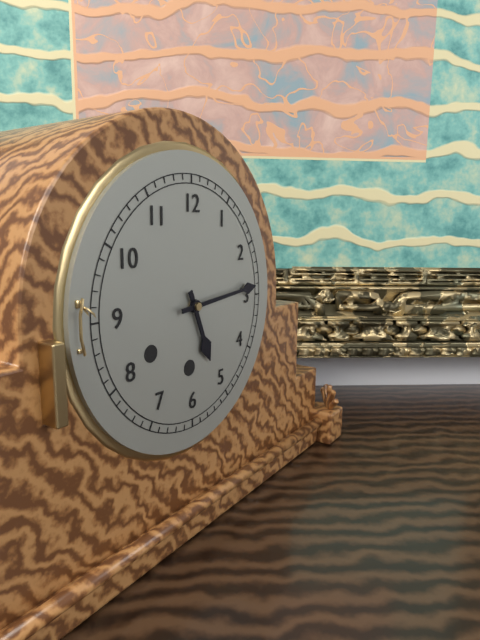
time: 5:14
